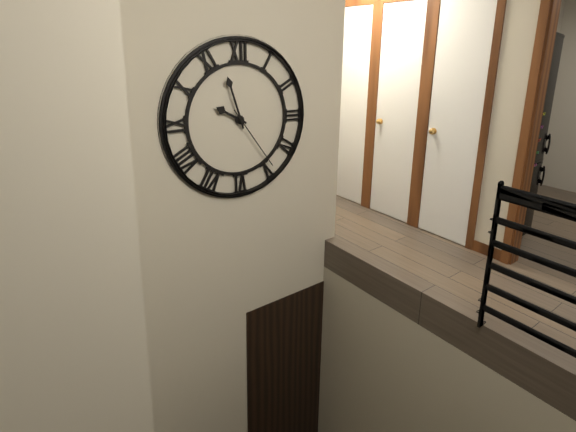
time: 9:57:24
